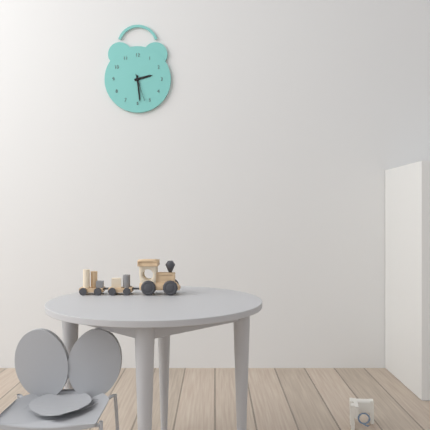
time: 2:29
